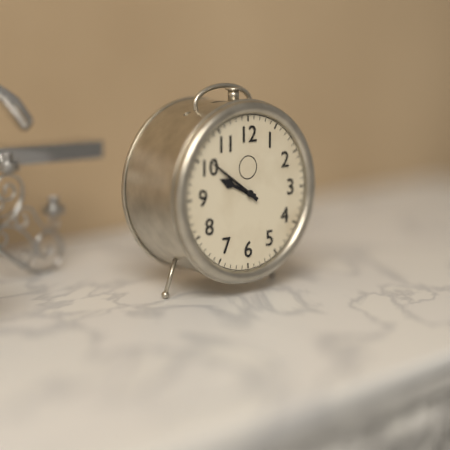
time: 9:51
